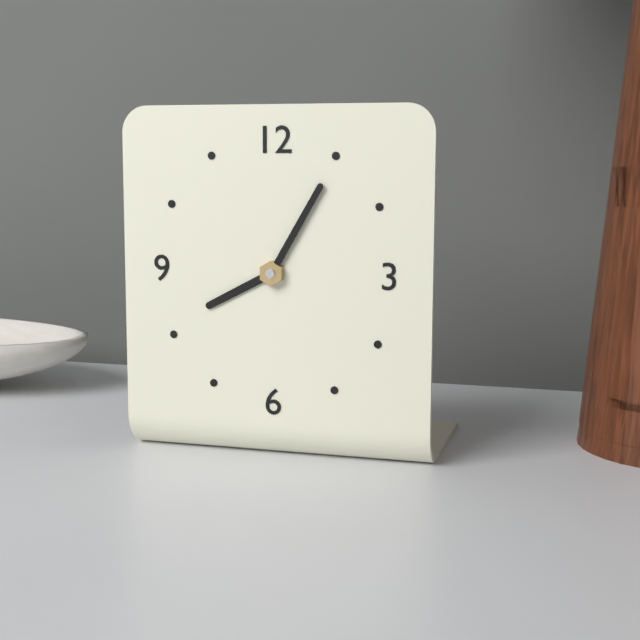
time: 8:05
